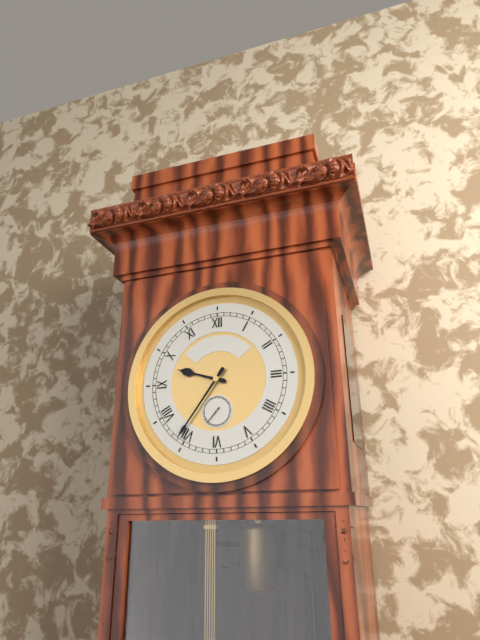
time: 9:36
